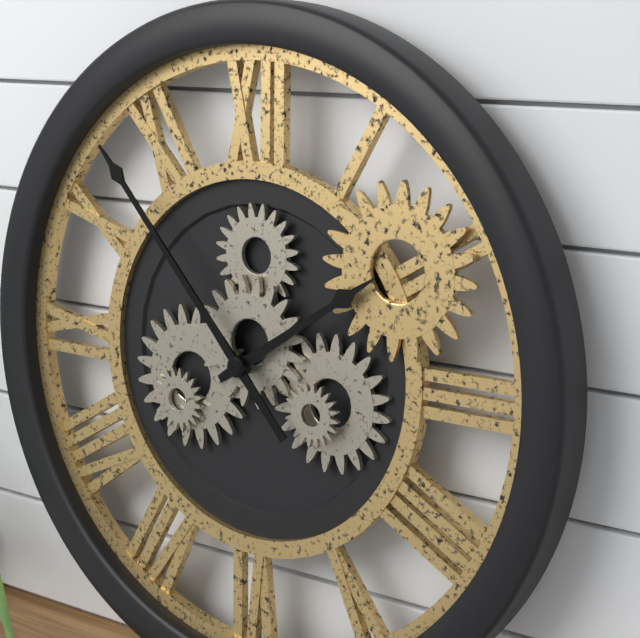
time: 1:53
